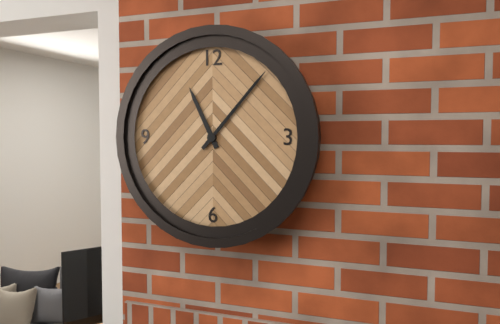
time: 11:07
